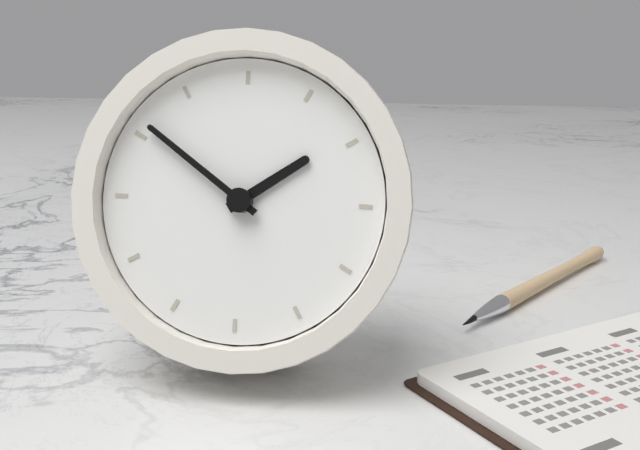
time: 1:51
